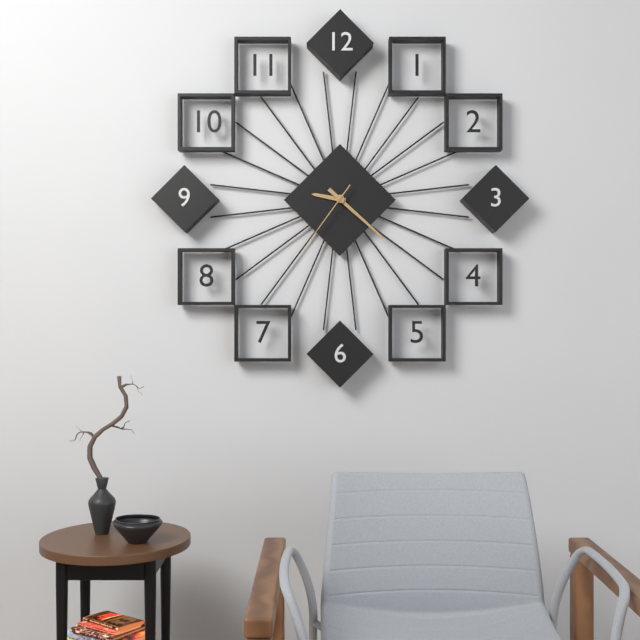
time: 9:22:36
